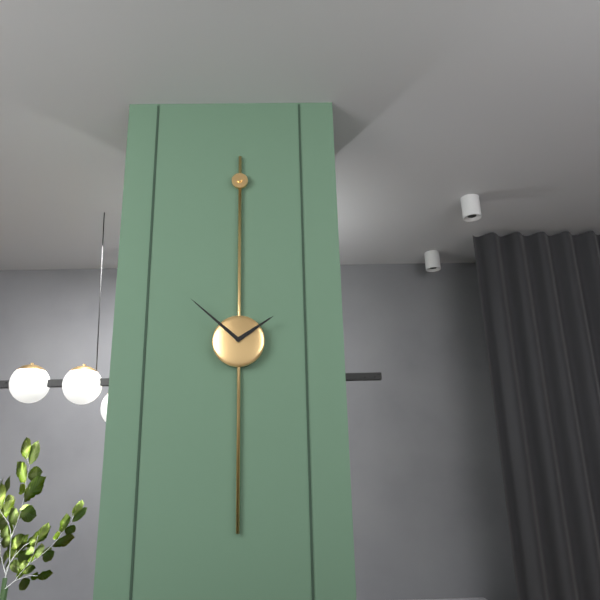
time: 1:52
